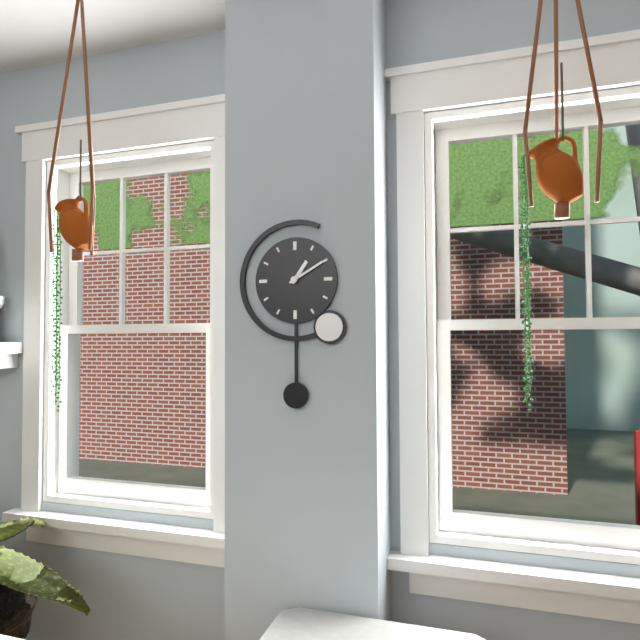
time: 1:10
